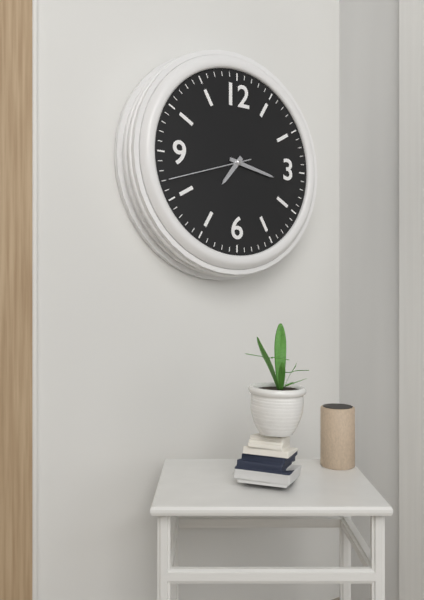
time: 7:17:42
